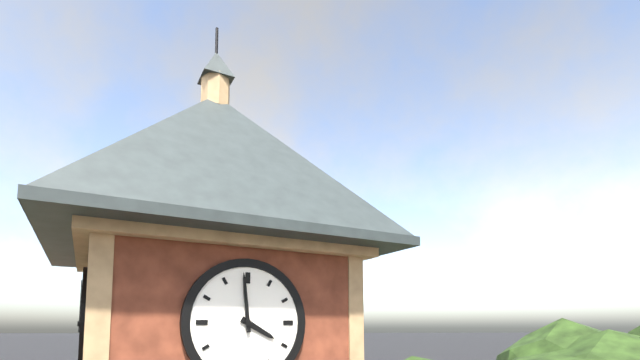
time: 3:59
